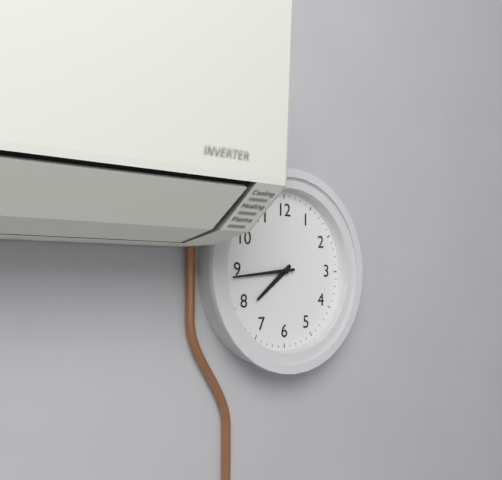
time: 7:44
